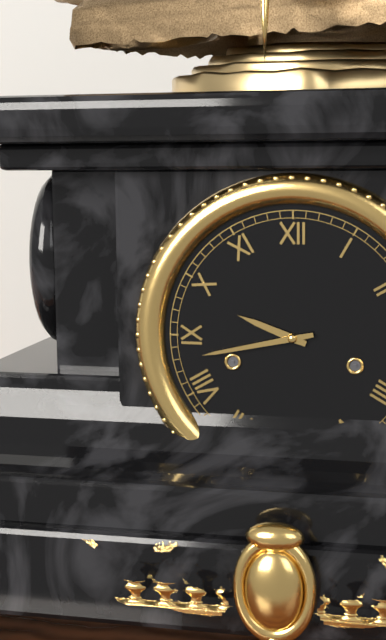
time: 9:43
